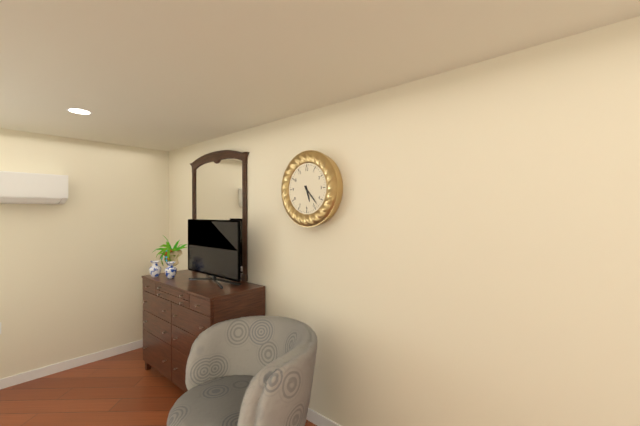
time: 5:23
